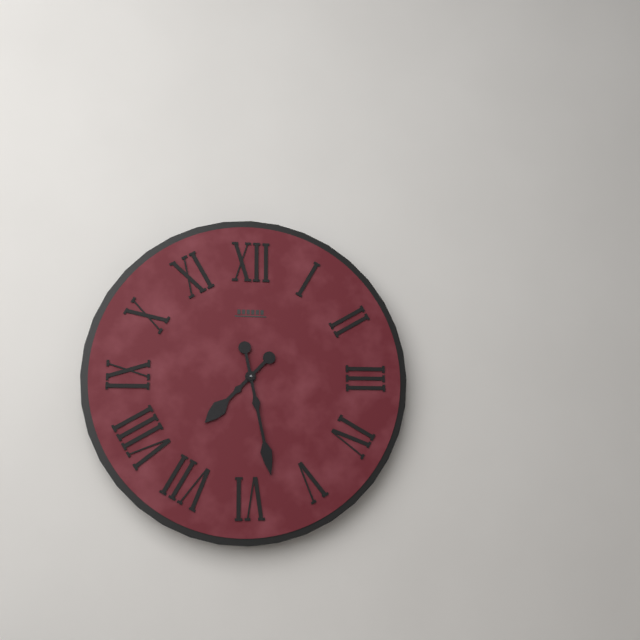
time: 7:28
